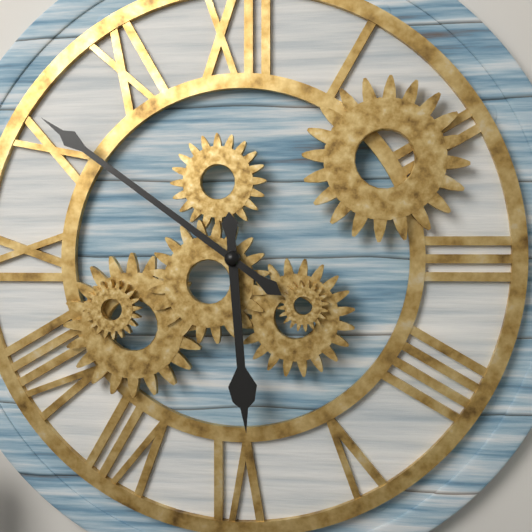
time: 5:51
